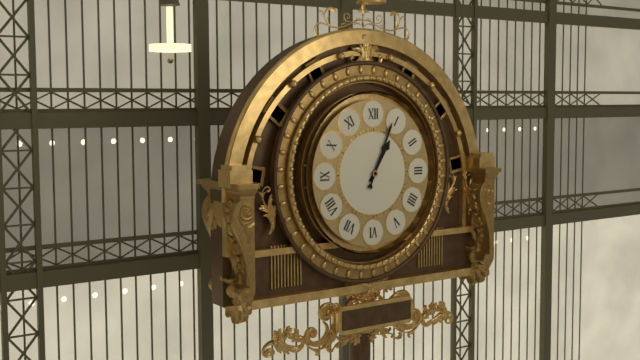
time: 1:04
